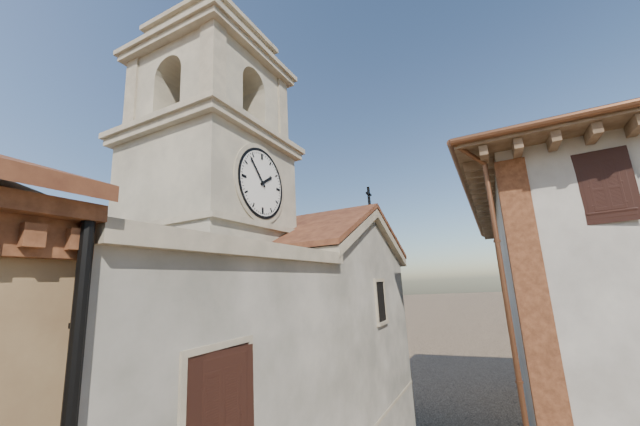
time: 1:53
